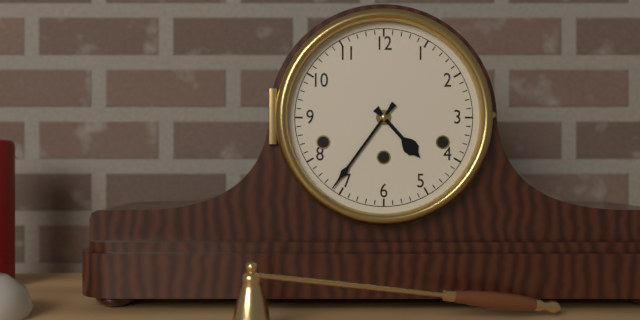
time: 4:36
